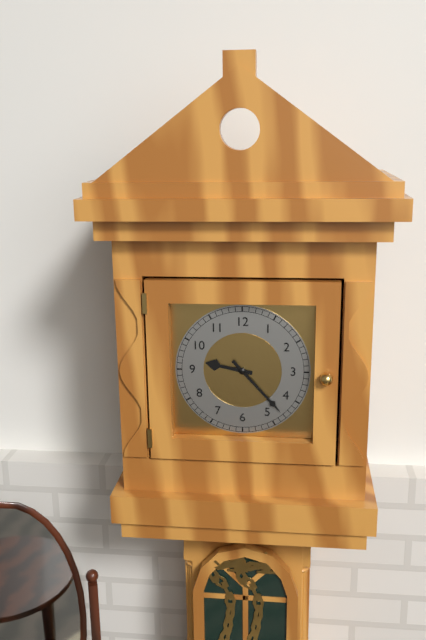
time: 9:23
